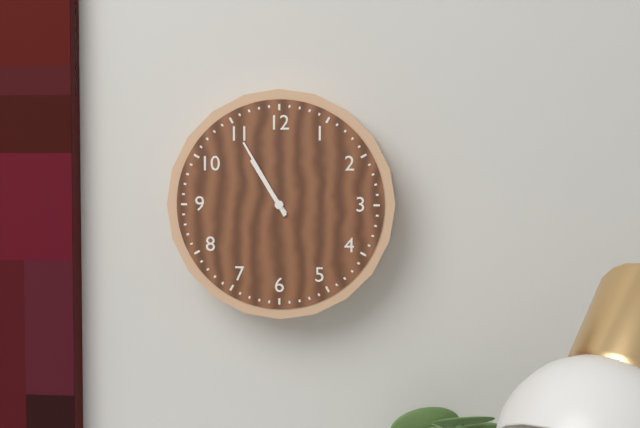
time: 10:55
